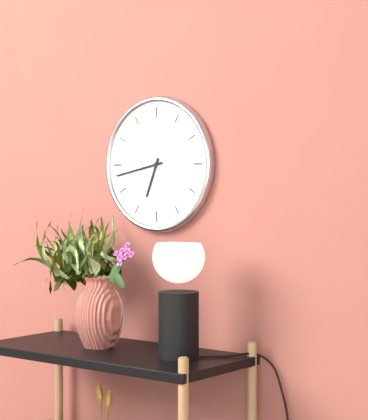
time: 6:43
